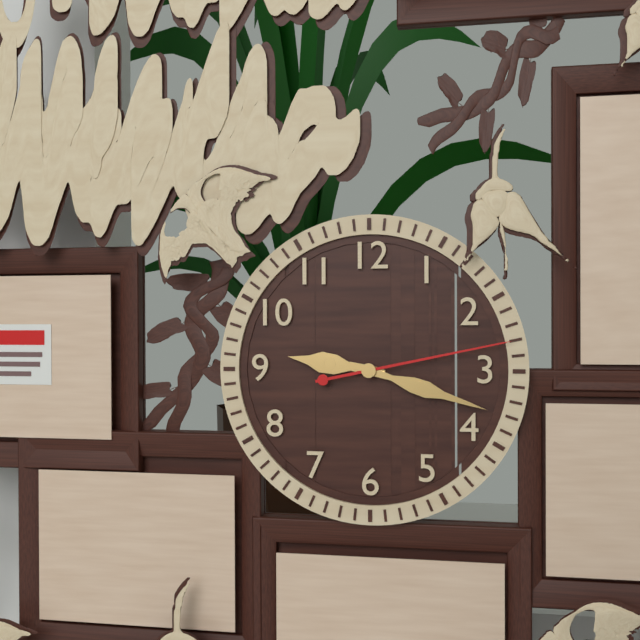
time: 9:18:13
